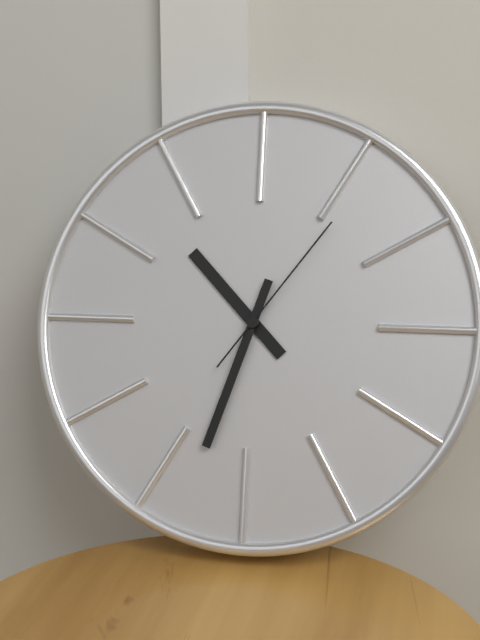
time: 10:33:06
